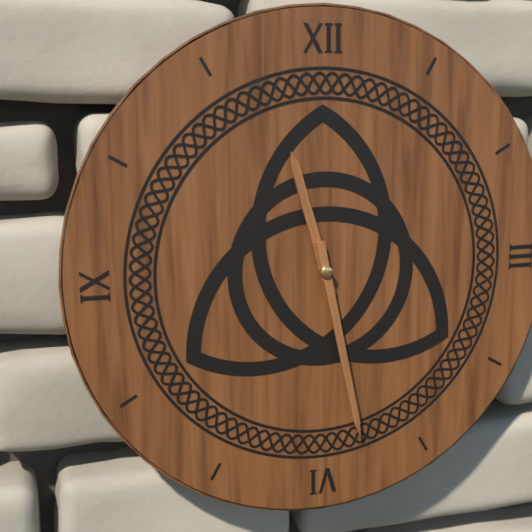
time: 11:28
